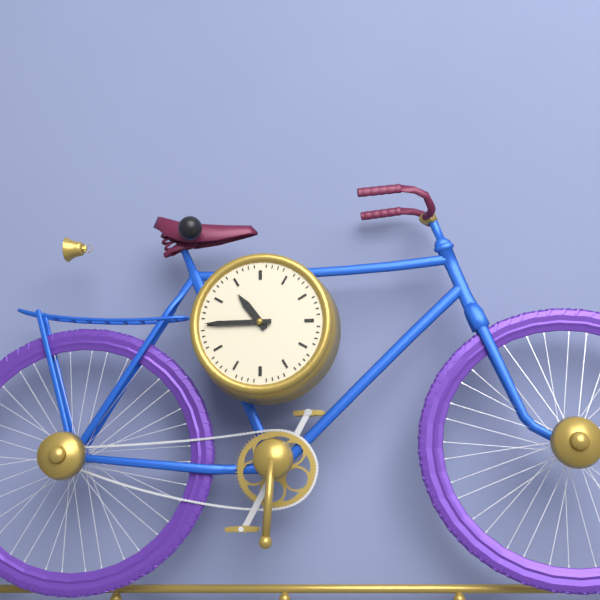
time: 10:45
